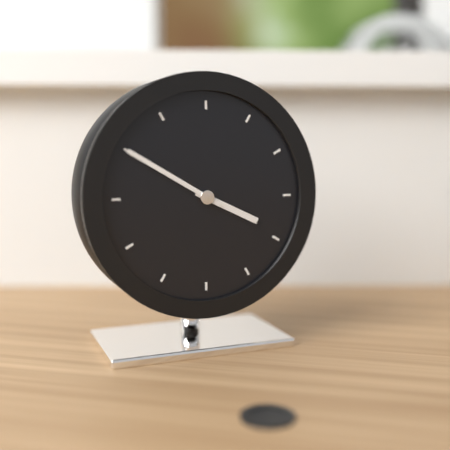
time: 3:50
